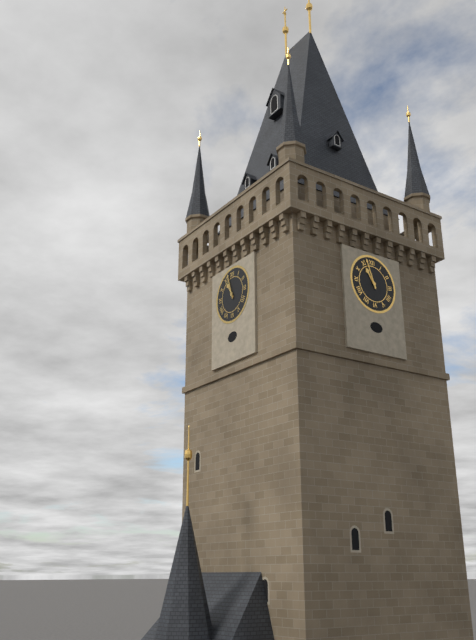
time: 10:57
